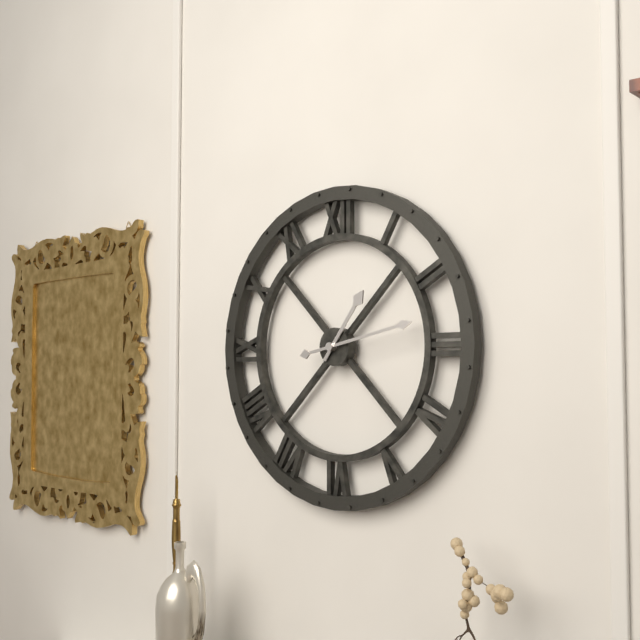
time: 1:13
